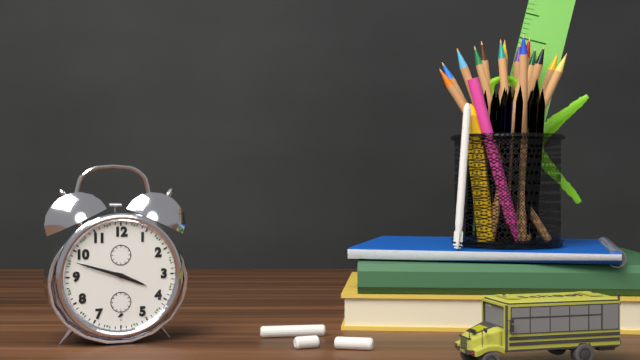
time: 3:48
